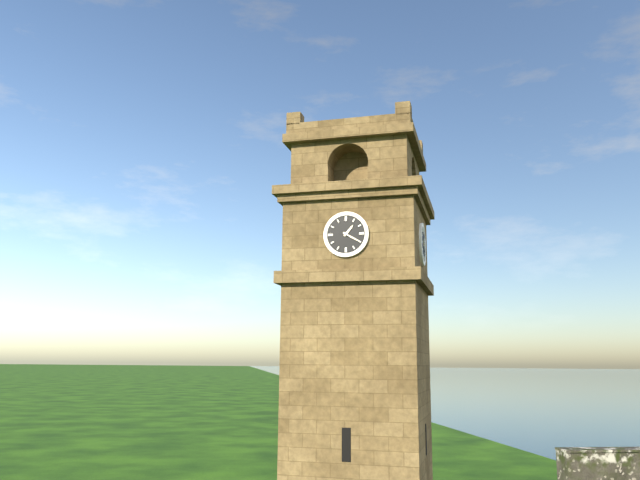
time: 1:20
